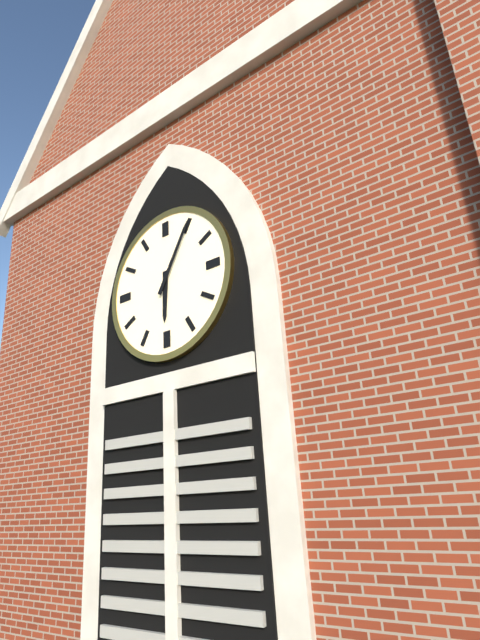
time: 6:05
